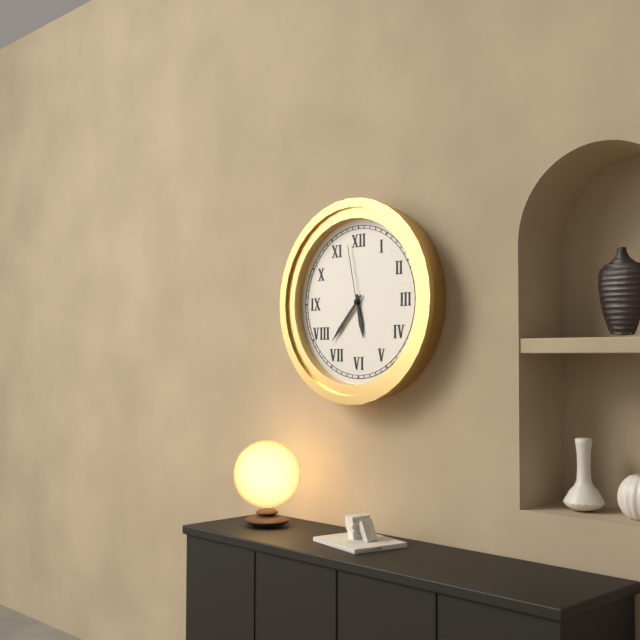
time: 5:37:58
